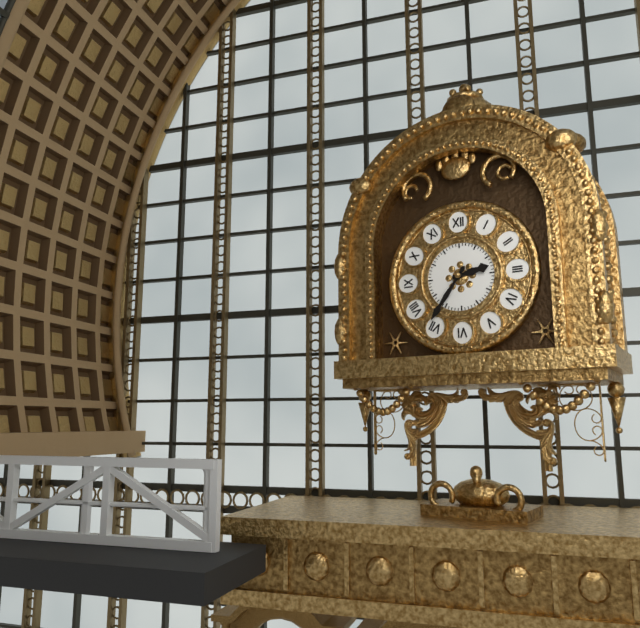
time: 2:36
